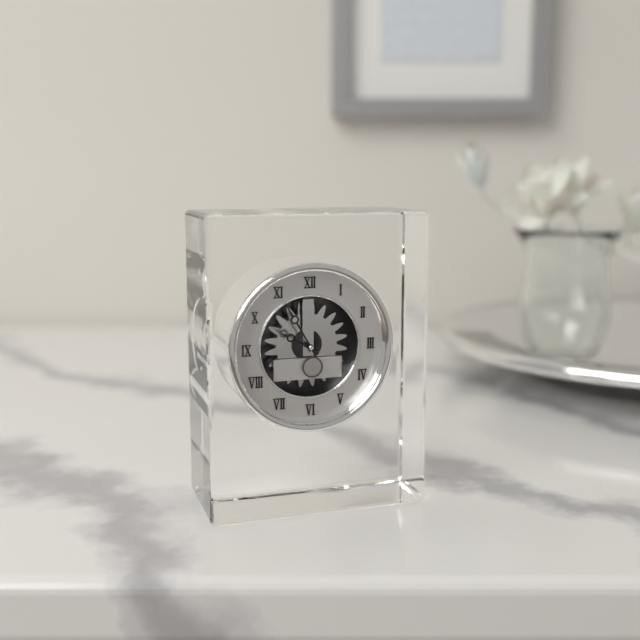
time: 9:55
